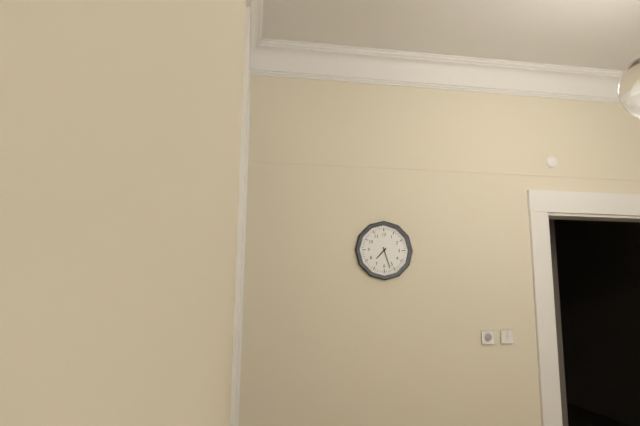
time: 7:27
